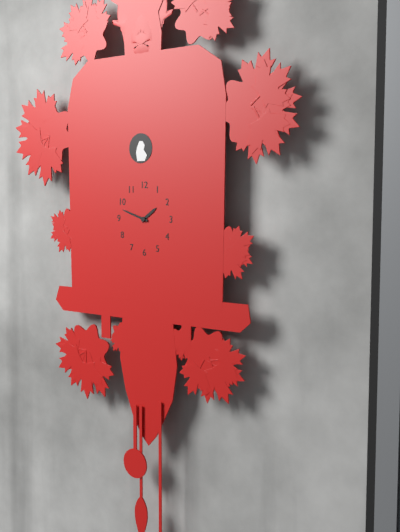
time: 1:48
